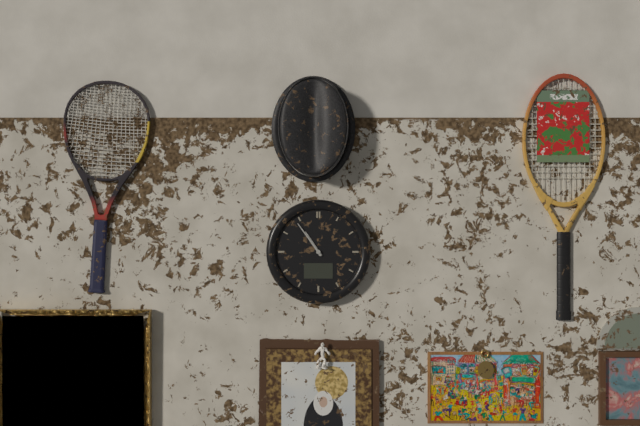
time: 10:54
